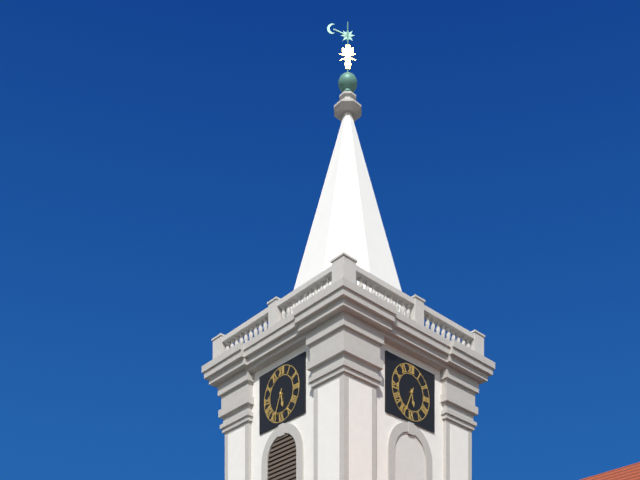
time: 5:34
